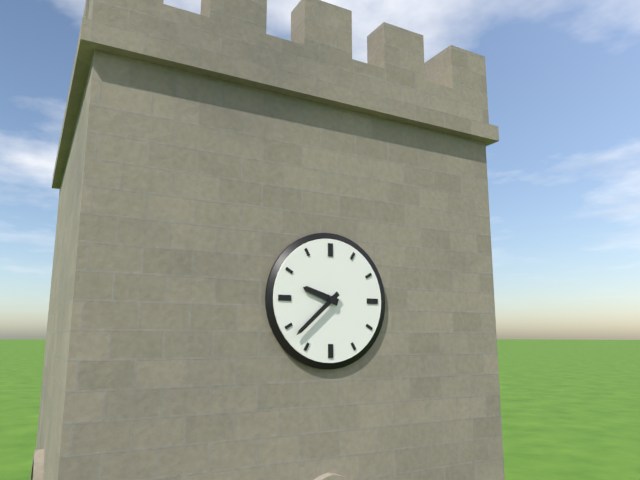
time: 9:38
